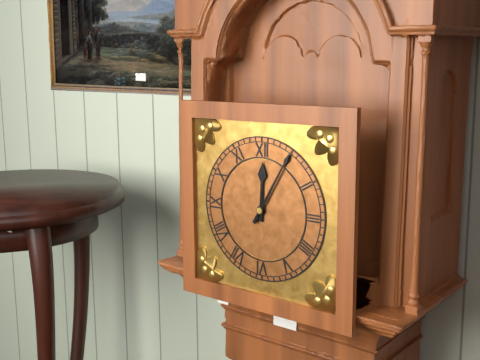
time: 12:05
